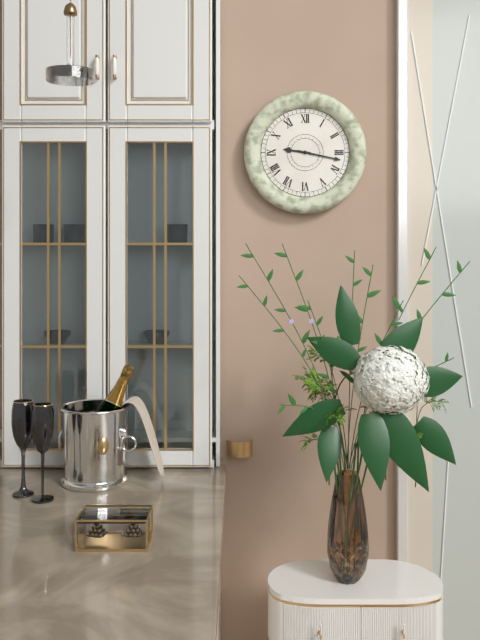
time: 9:17
